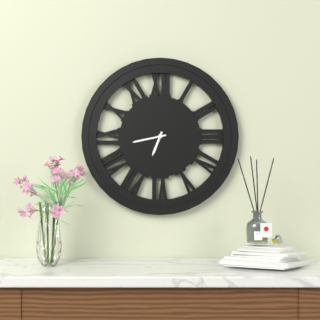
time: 6:43
